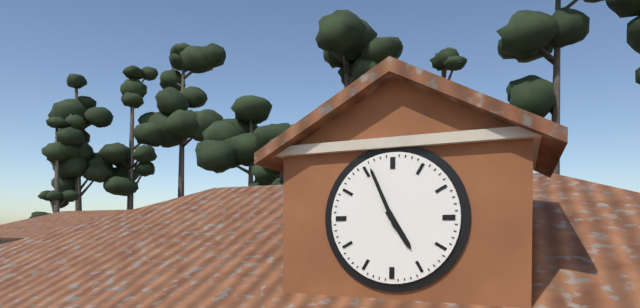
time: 4:56
